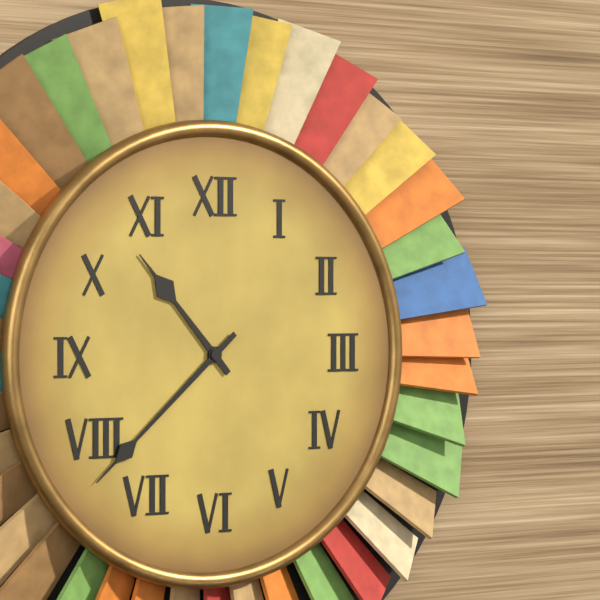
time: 10:38
